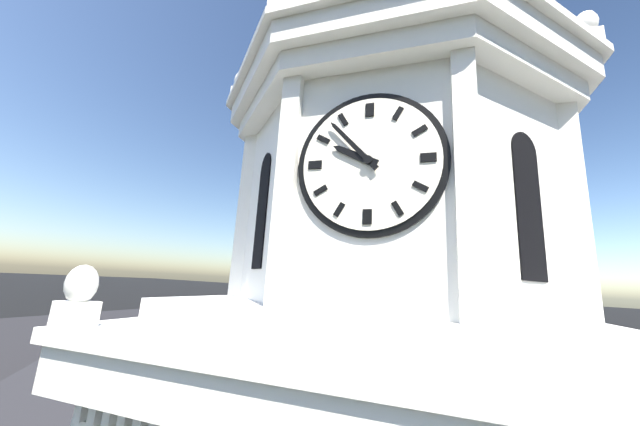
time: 9:53
